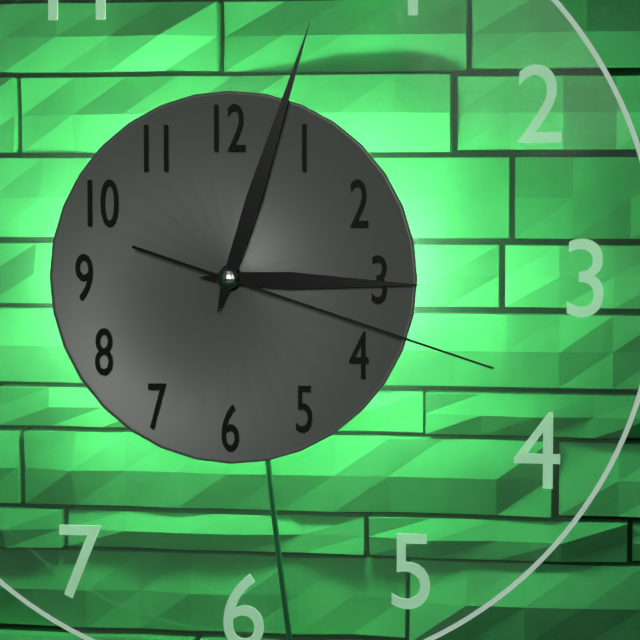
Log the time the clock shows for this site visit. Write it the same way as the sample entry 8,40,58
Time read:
3,03,18
